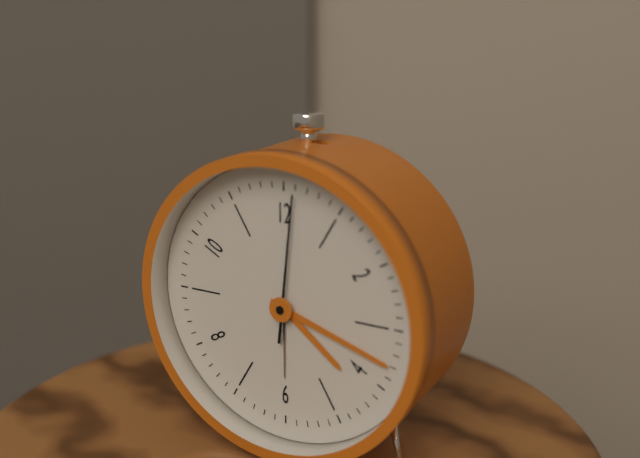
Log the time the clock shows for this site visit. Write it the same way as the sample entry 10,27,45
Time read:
4,18,01
